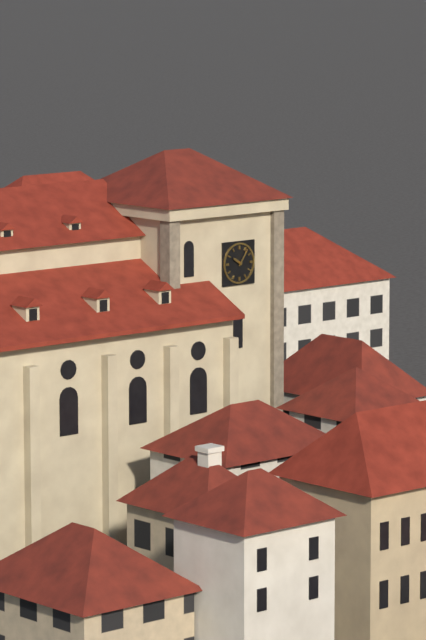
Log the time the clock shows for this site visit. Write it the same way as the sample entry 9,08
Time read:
10,06
